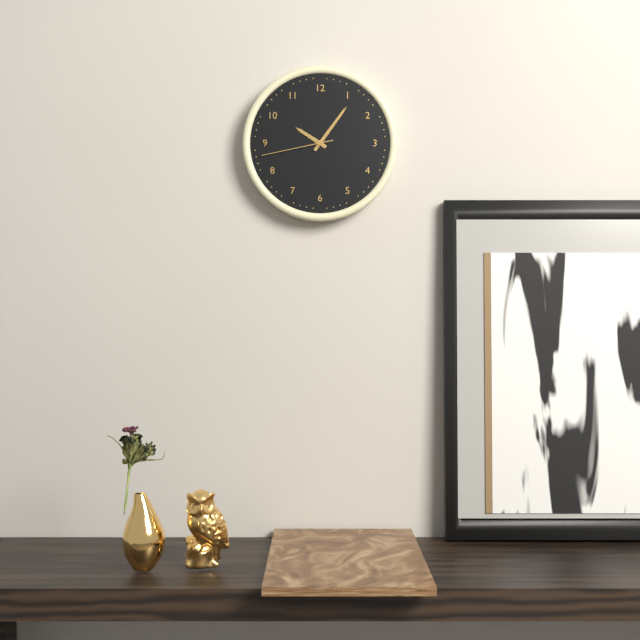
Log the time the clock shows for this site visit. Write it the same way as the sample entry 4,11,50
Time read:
10,06,43
